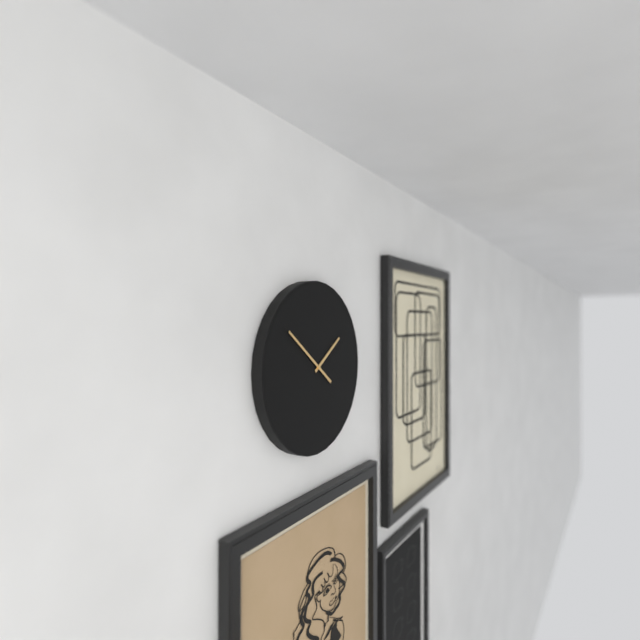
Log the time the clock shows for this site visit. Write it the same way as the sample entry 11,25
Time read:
1,51
